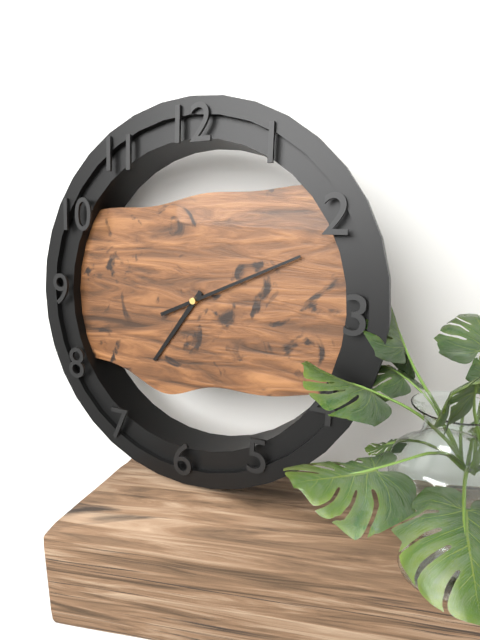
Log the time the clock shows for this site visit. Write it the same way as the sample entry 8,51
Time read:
7,11
